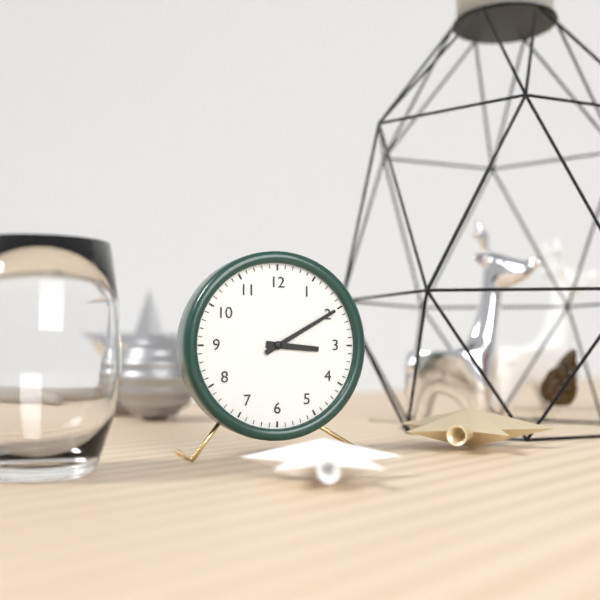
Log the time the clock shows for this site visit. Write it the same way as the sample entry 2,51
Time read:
3,10
